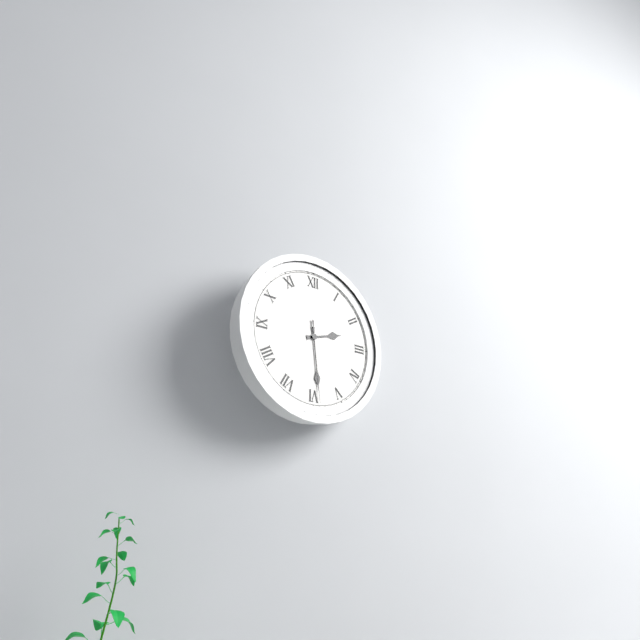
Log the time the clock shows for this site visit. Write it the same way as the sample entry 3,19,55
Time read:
2,29,29
